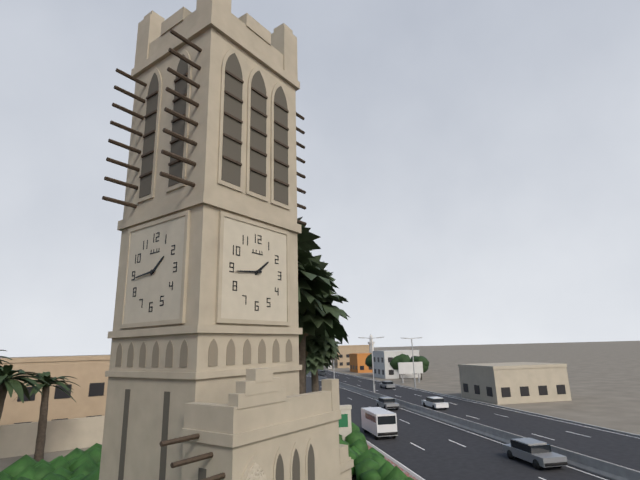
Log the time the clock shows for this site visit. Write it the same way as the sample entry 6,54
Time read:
1,44
